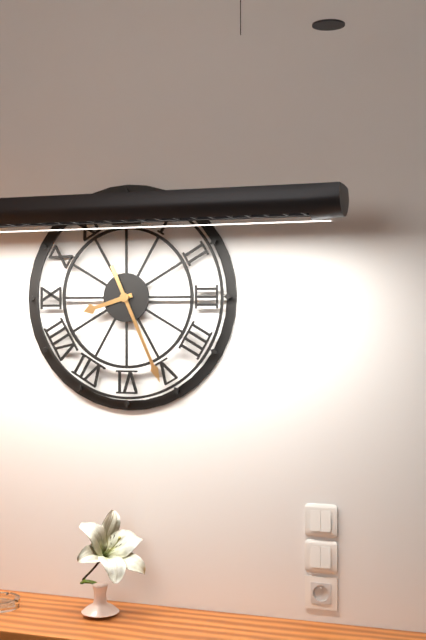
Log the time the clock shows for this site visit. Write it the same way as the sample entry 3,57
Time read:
8,26
